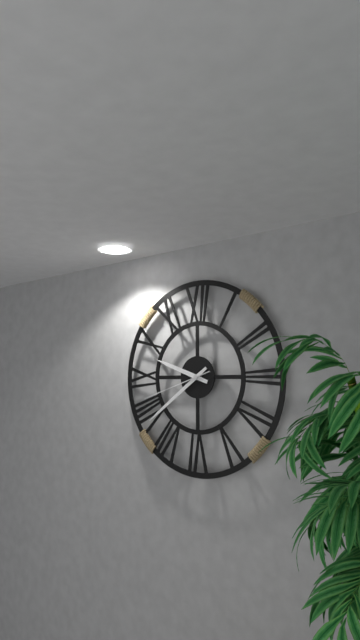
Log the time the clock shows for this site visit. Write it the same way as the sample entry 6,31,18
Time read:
9,39,42
